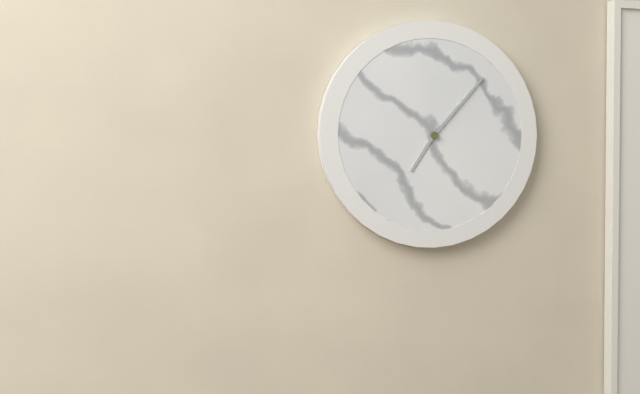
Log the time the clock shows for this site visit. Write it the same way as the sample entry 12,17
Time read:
7,07
